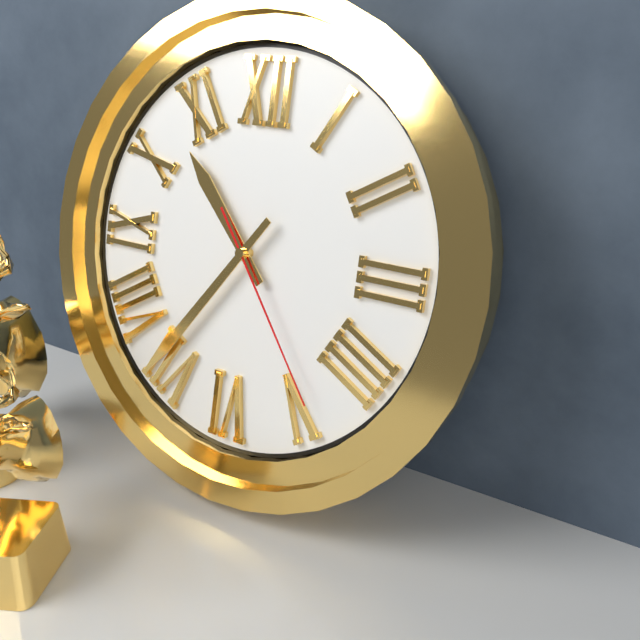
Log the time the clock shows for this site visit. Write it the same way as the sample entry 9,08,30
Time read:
10,36,24
